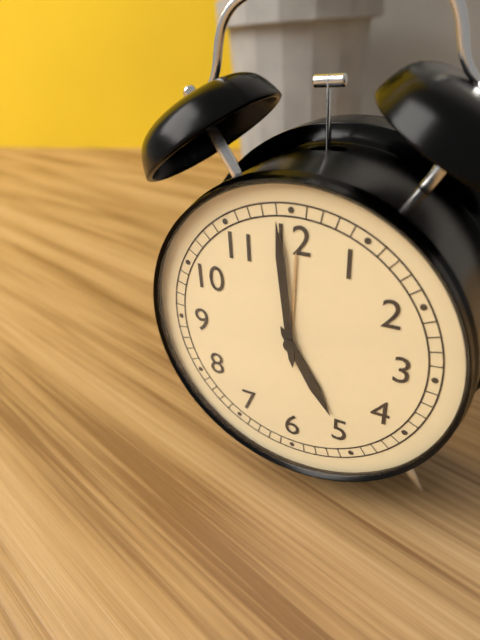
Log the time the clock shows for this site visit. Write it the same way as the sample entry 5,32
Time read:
4,59
